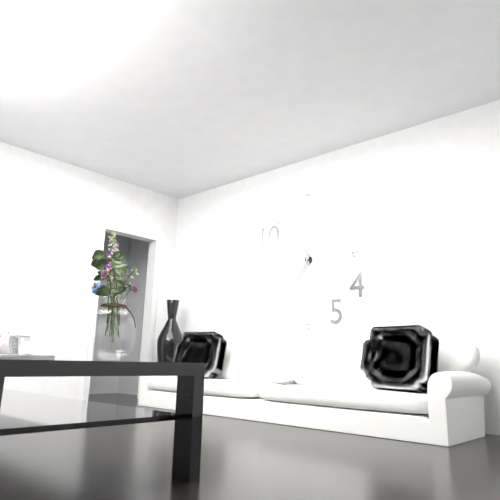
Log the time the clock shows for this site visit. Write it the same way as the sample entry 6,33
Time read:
11,35
